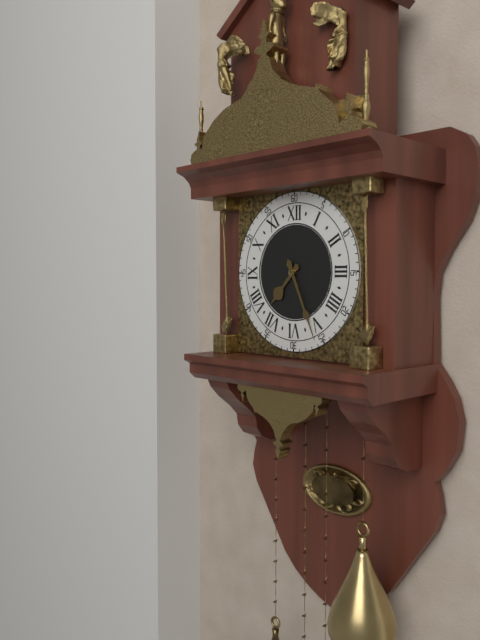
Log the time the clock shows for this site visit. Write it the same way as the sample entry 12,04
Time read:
7,26
